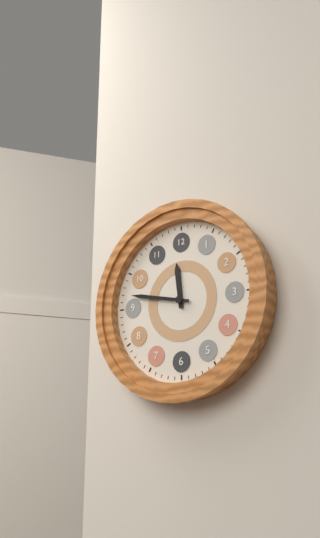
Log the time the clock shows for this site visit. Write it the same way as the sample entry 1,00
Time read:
11,47
